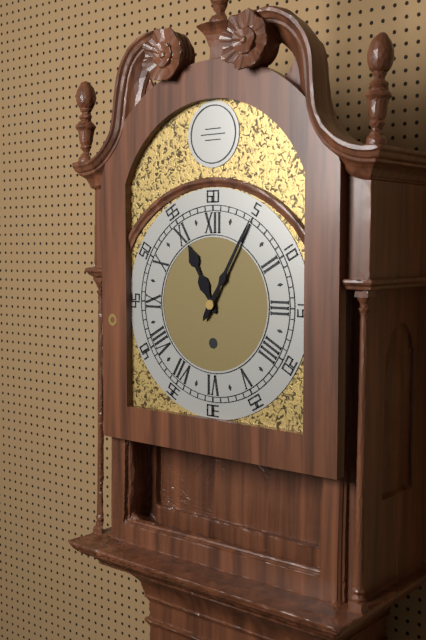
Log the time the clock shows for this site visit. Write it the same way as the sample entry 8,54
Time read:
11,05
